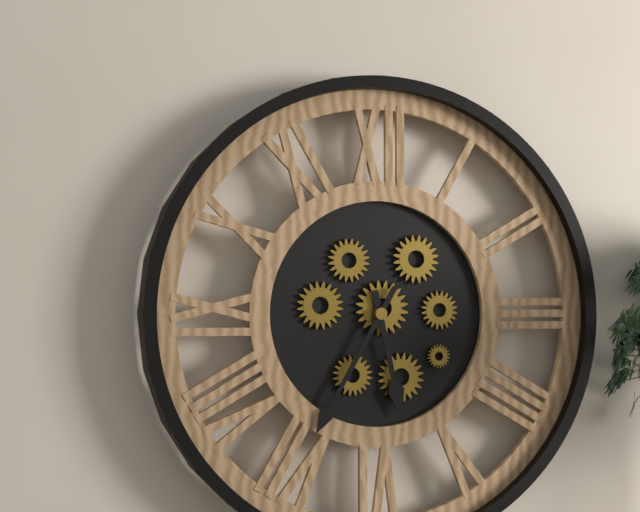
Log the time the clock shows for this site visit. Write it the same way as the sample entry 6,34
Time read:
5,35
